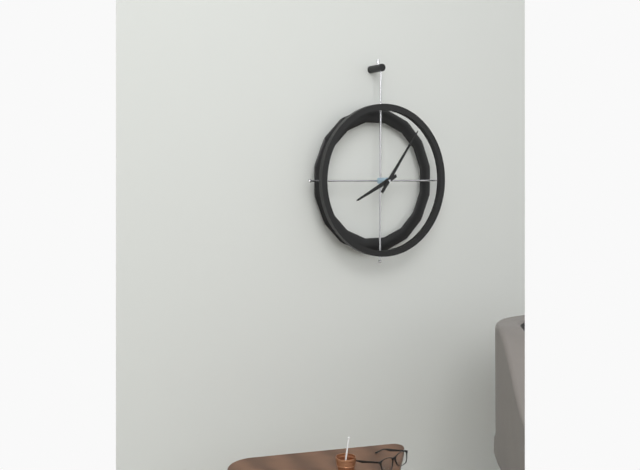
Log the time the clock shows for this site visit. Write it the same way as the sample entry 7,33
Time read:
8,06
